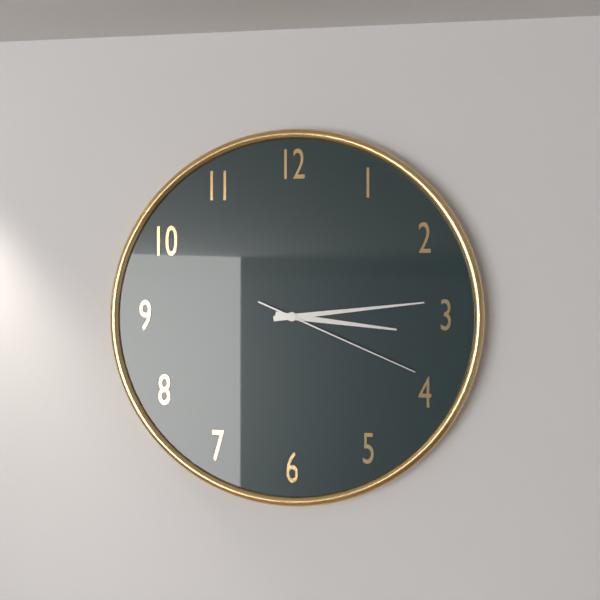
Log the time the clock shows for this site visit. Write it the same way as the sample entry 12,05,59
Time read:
3,14,19
